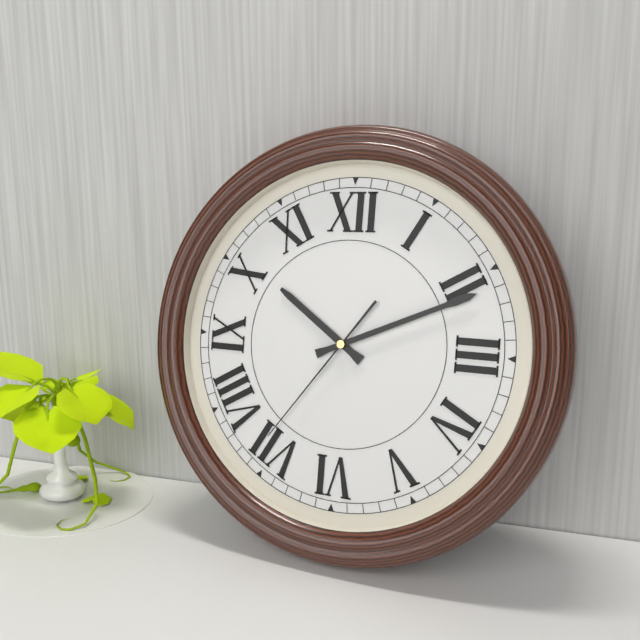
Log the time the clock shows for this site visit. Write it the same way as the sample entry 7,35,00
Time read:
10,11,36
